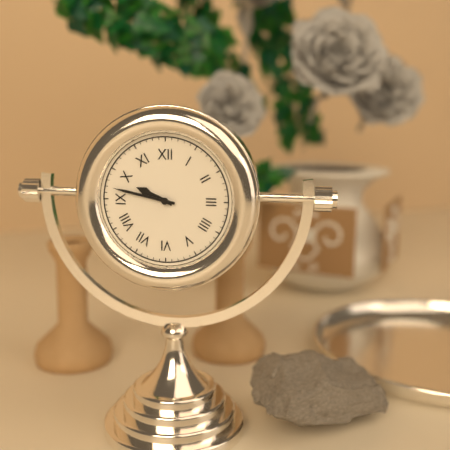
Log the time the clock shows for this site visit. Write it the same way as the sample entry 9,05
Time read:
9,47
